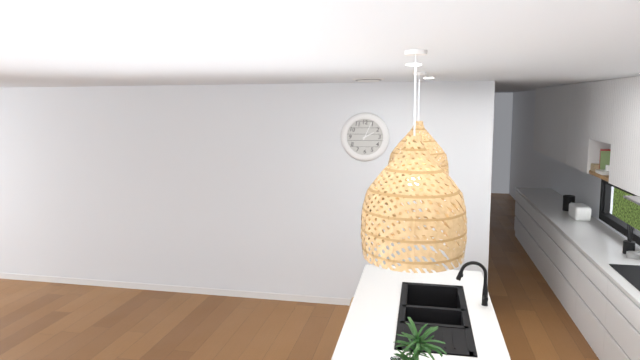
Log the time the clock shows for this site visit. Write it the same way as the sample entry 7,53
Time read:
2,04
